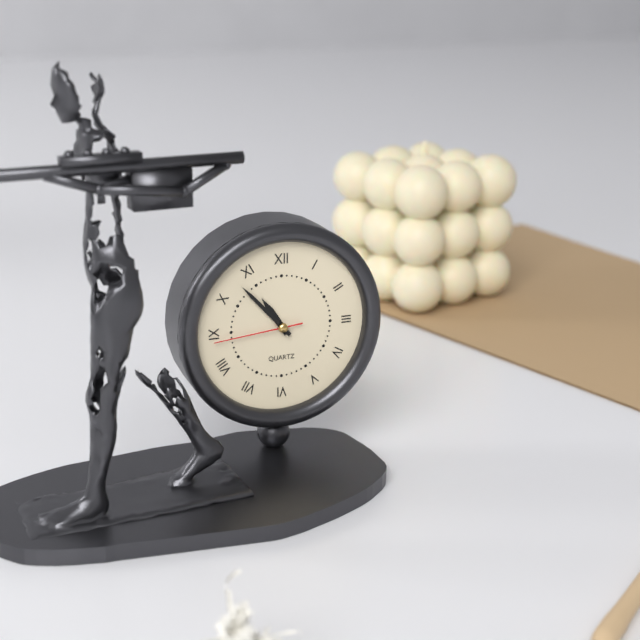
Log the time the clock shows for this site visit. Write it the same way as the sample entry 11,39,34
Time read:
10,53,44
